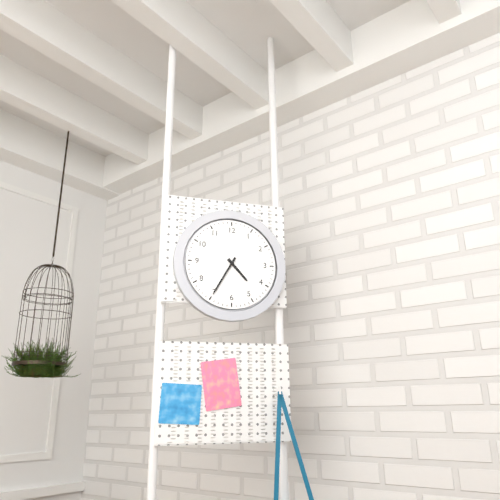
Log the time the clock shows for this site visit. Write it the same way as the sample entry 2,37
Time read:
4,35
